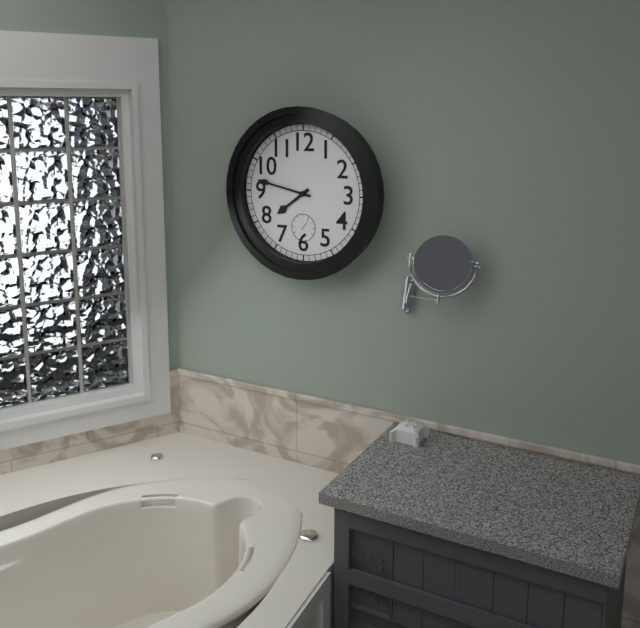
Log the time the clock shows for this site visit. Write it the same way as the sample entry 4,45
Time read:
7,47
